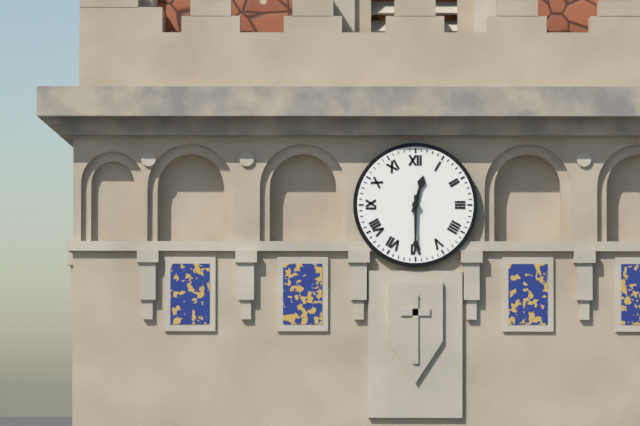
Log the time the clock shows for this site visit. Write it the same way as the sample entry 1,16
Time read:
12,30
